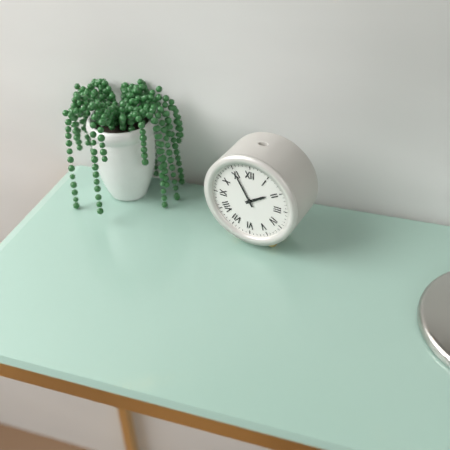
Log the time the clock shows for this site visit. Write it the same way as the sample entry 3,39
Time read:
1,55
